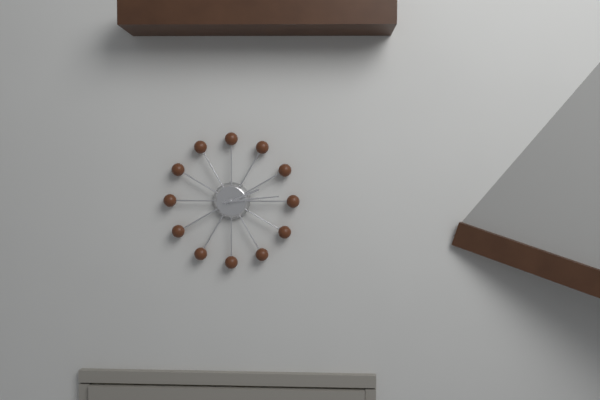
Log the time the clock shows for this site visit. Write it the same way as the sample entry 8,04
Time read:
2,14
